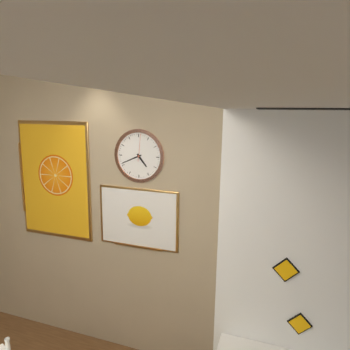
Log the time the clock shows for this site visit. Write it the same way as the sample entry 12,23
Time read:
4,41
